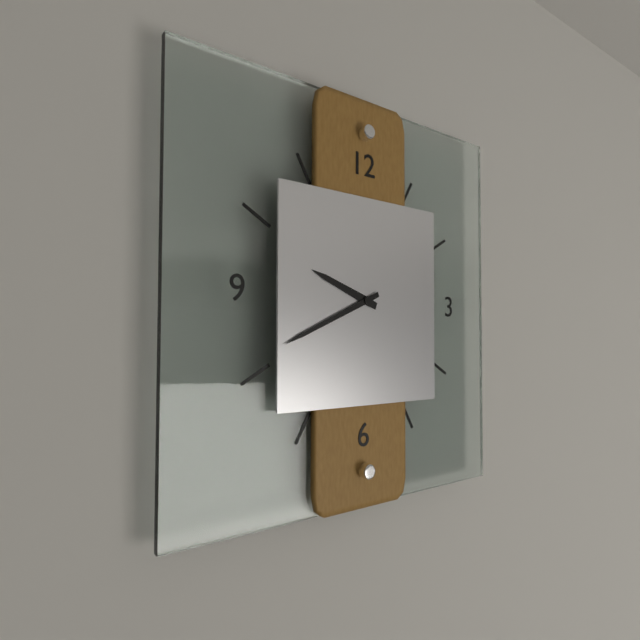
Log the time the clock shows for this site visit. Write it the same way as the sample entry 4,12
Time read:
9,41
